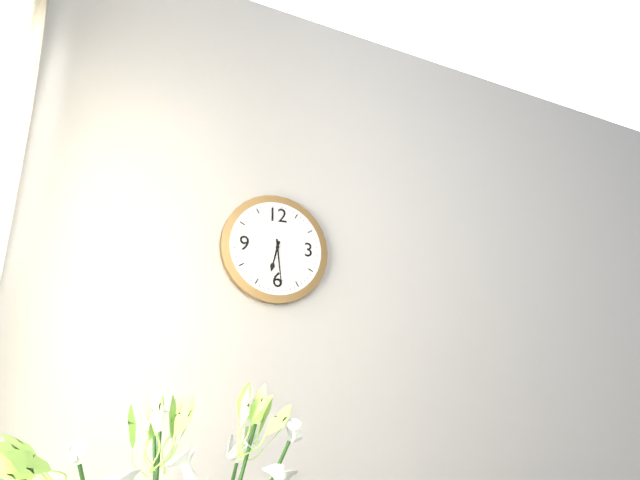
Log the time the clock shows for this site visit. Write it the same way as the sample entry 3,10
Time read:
6,29
